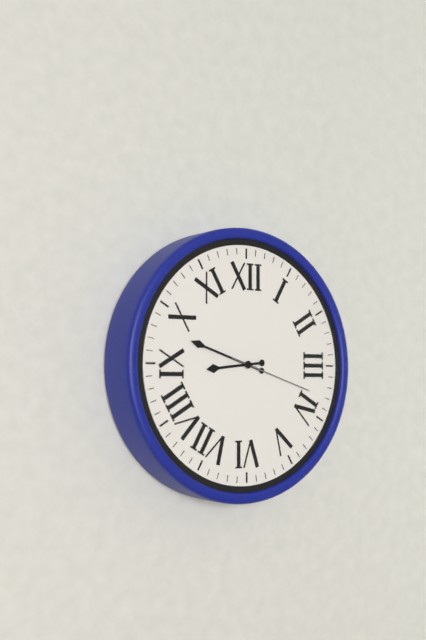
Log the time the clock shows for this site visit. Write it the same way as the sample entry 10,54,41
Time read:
8,48,18
